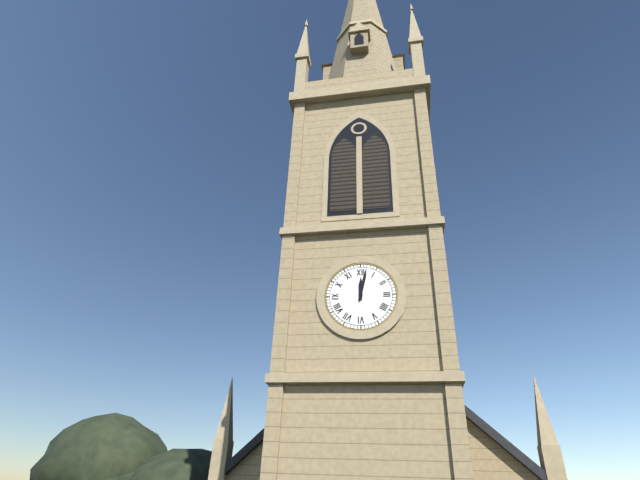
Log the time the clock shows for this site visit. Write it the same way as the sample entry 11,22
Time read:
12,02
